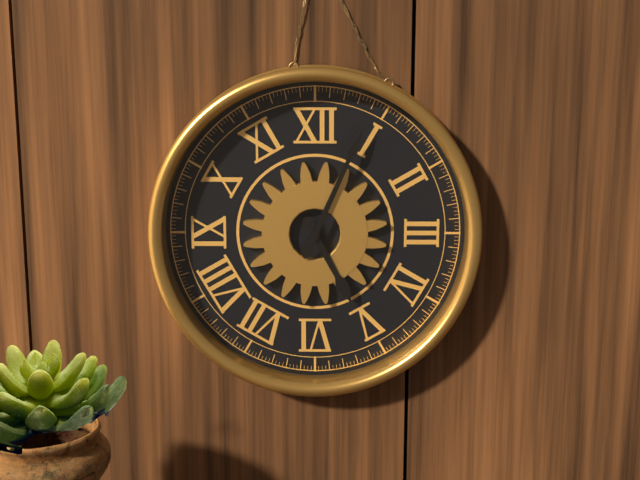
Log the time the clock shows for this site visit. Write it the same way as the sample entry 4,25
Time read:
5,04
